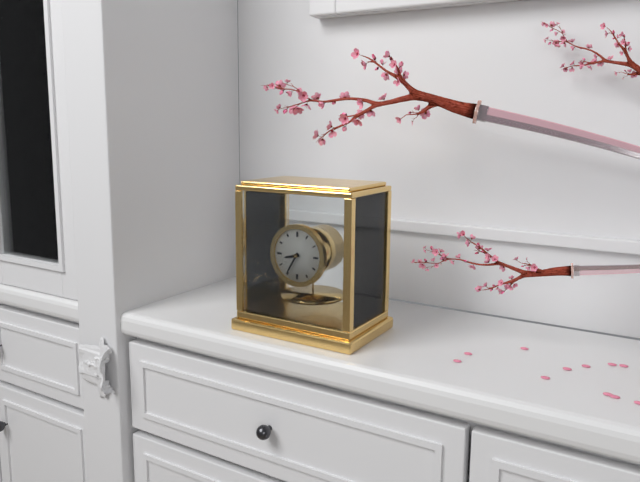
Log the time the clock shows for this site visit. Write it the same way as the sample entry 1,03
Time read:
8,35
